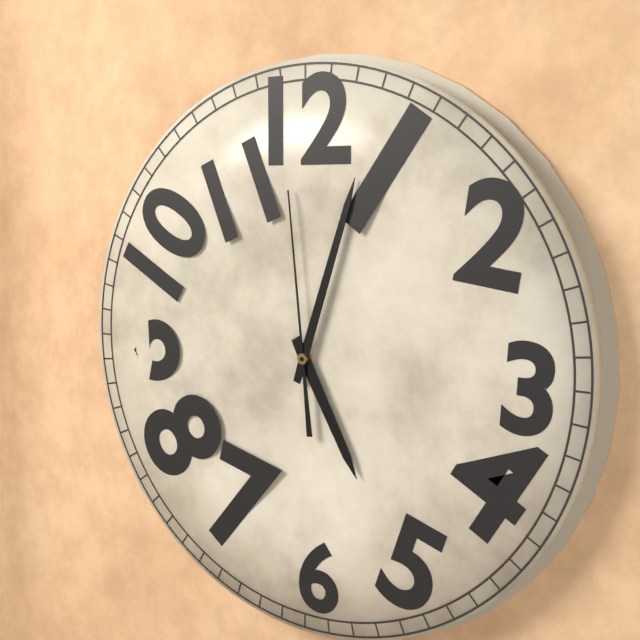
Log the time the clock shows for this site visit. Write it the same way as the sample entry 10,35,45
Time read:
5,03,59
